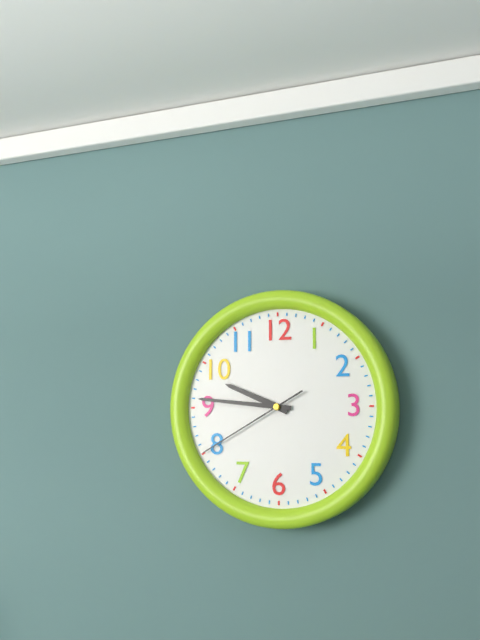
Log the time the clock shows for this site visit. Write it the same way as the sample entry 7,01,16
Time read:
9,46,40
